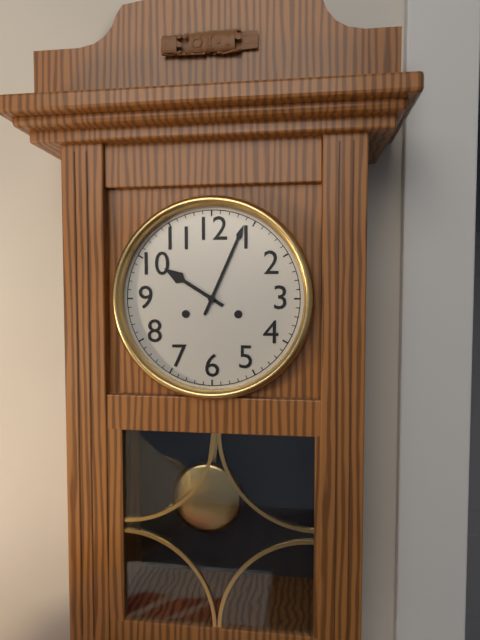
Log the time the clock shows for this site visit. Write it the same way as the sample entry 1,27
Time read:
10,04
